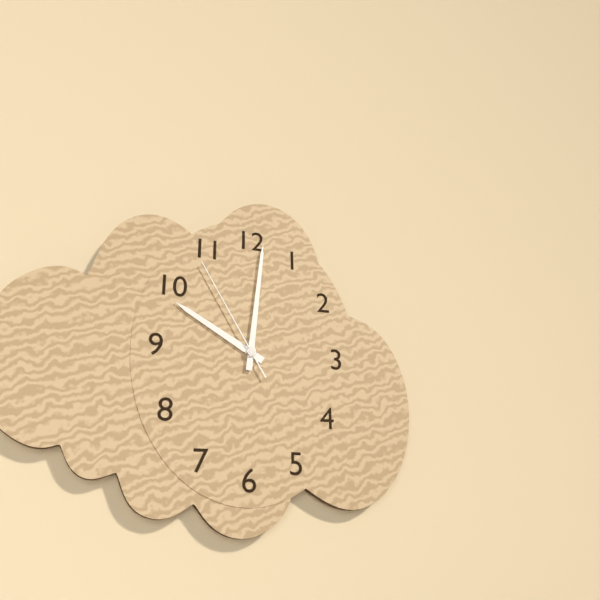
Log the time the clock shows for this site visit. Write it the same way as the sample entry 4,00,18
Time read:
10,01,55
